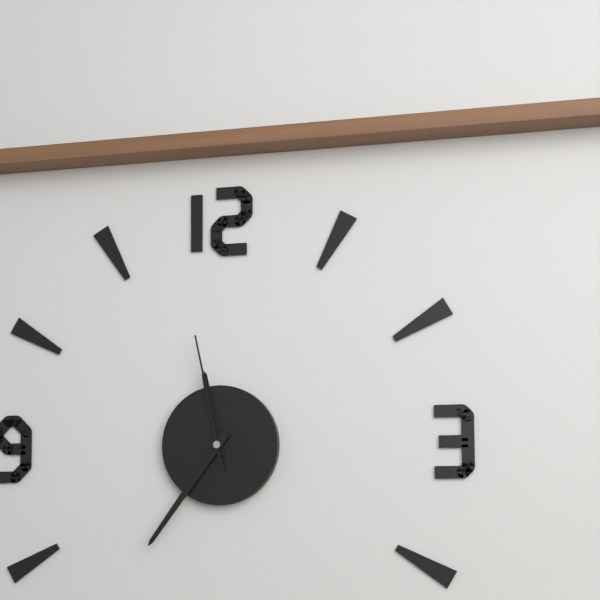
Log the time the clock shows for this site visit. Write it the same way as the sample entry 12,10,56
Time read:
11,36,58
